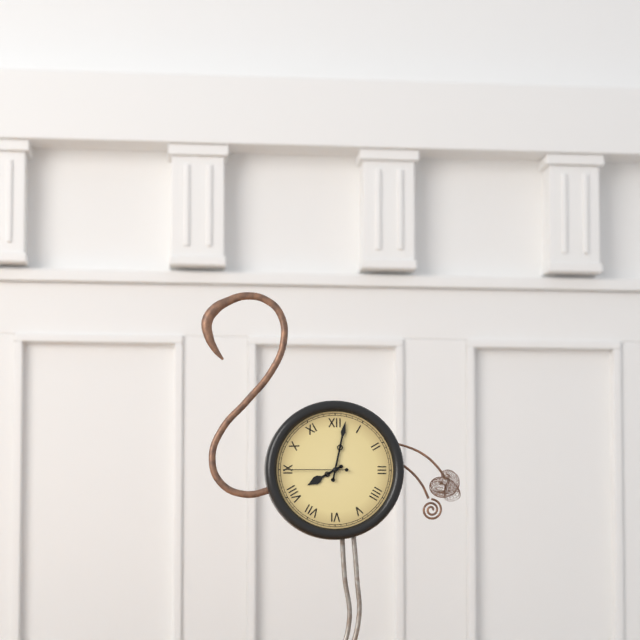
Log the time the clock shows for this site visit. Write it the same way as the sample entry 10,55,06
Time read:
8,02,45
